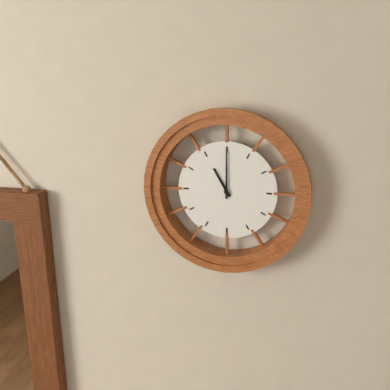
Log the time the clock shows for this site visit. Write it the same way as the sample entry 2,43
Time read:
11,00
